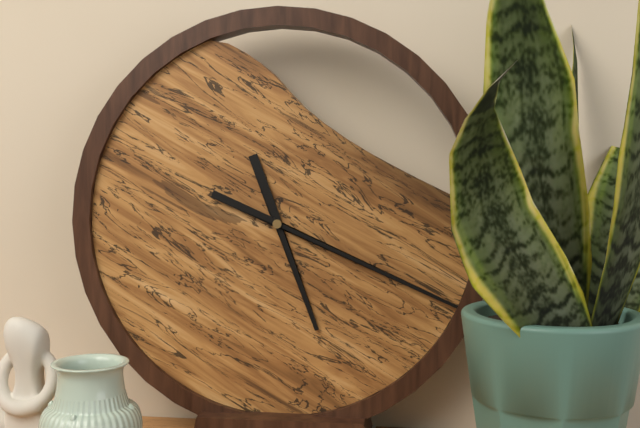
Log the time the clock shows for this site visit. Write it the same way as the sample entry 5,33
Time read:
5,19
